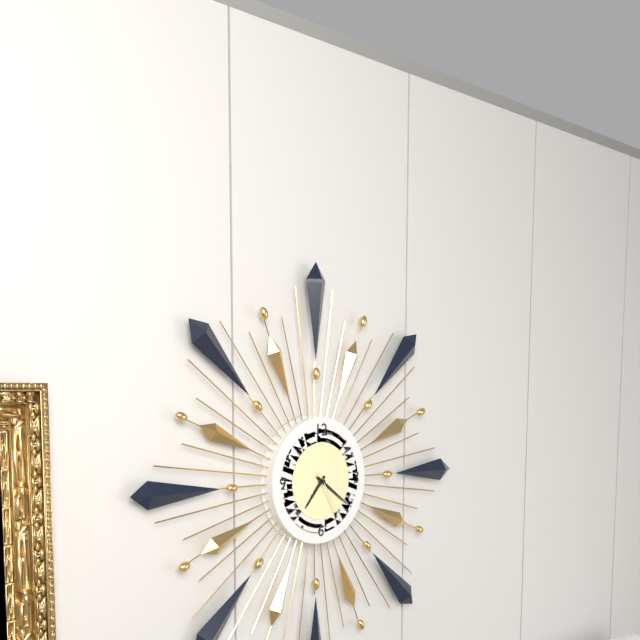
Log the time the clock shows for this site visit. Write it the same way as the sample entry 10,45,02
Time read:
7,21,25
